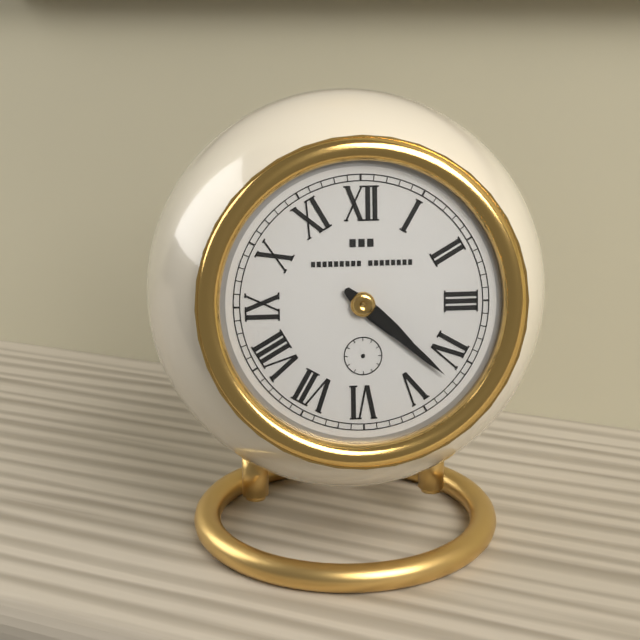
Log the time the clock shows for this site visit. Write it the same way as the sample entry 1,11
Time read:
4,22
